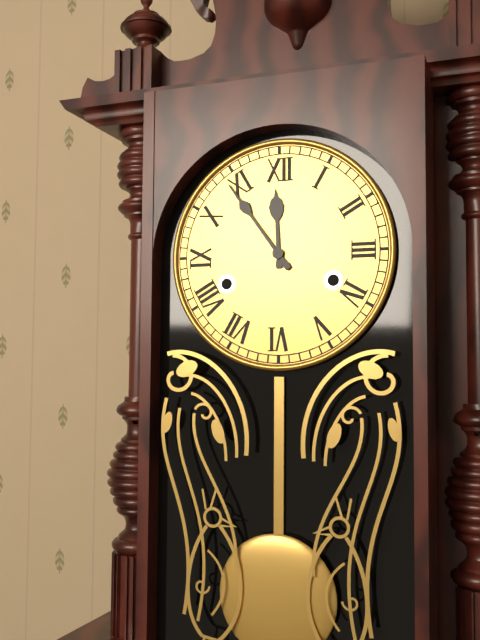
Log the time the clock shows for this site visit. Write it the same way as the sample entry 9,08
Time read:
11,54
